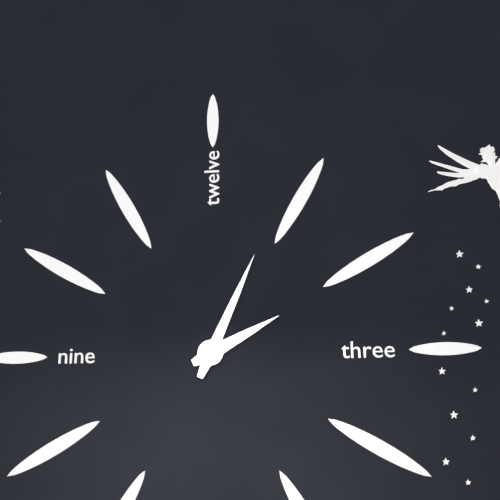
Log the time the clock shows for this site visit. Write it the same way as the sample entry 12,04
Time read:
2,04
